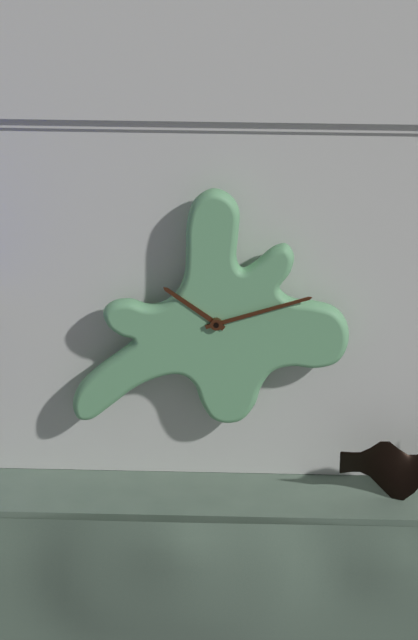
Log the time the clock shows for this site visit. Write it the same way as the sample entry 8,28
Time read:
10,12
